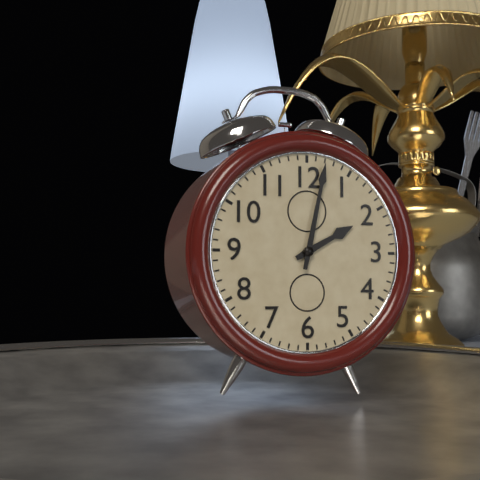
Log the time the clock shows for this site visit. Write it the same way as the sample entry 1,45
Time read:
2,02
